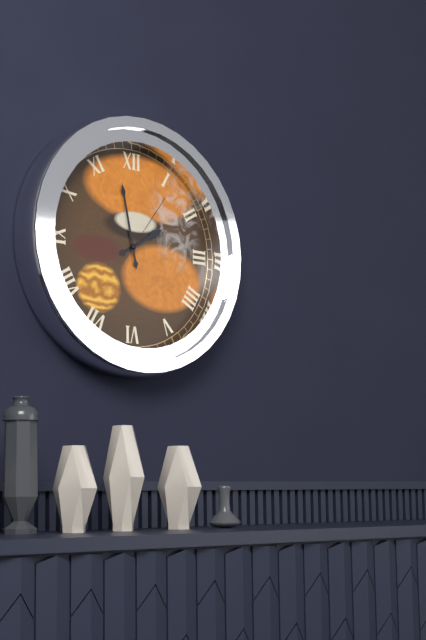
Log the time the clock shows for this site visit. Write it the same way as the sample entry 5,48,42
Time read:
1,58,06
